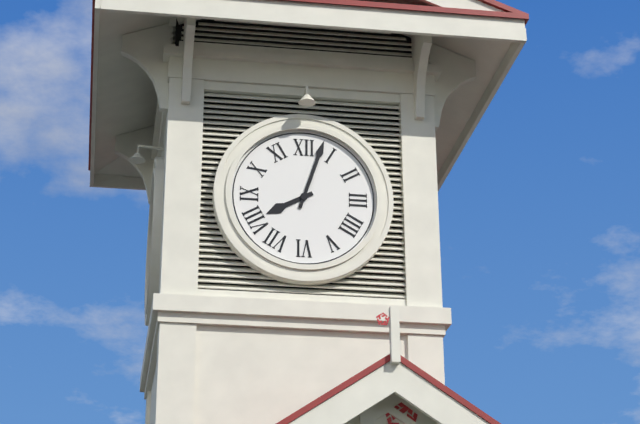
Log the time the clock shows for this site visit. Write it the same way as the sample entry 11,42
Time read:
8,03
